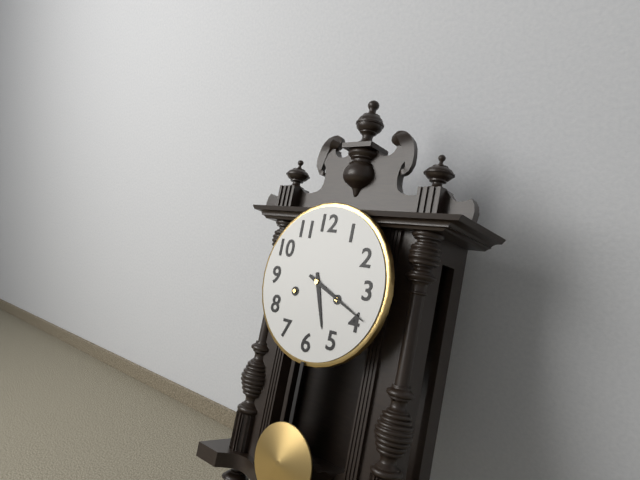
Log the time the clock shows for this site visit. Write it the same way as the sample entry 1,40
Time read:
5,19
